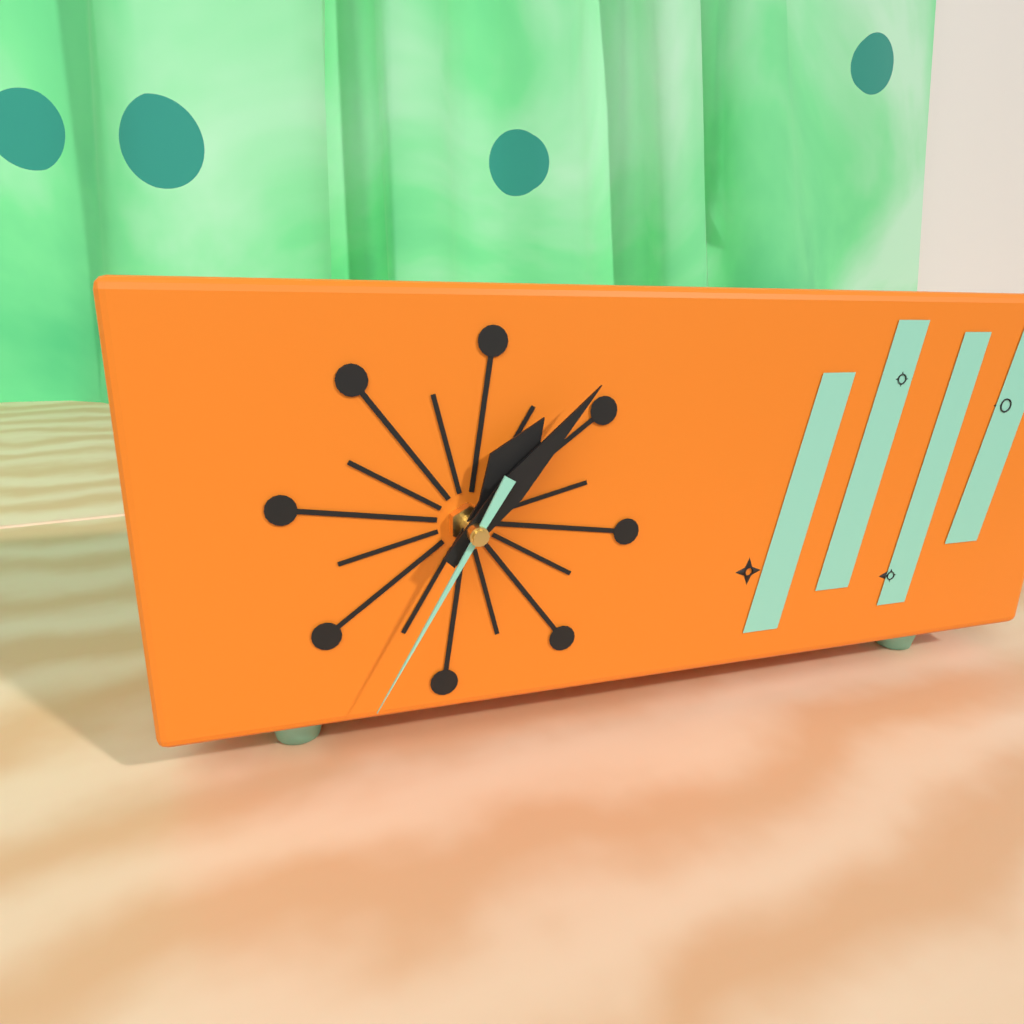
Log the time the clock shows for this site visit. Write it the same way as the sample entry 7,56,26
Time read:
1,07,35
